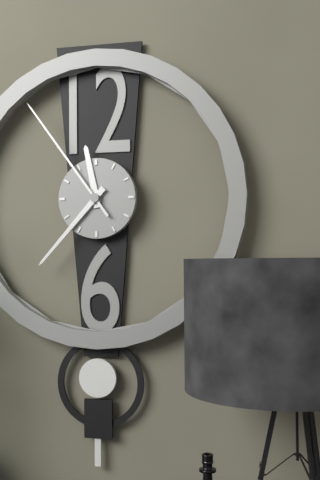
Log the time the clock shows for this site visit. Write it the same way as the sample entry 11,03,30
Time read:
11,37,54
